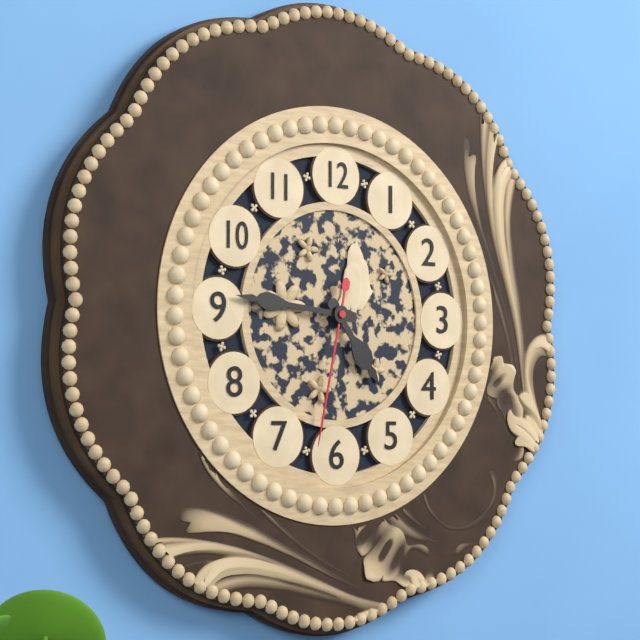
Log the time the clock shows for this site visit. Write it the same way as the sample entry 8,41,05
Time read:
4,46,32
